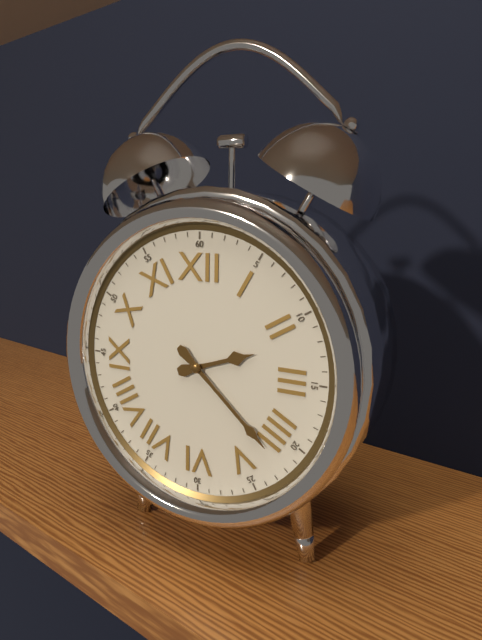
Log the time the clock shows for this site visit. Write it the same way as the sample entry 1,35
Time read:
2,22
